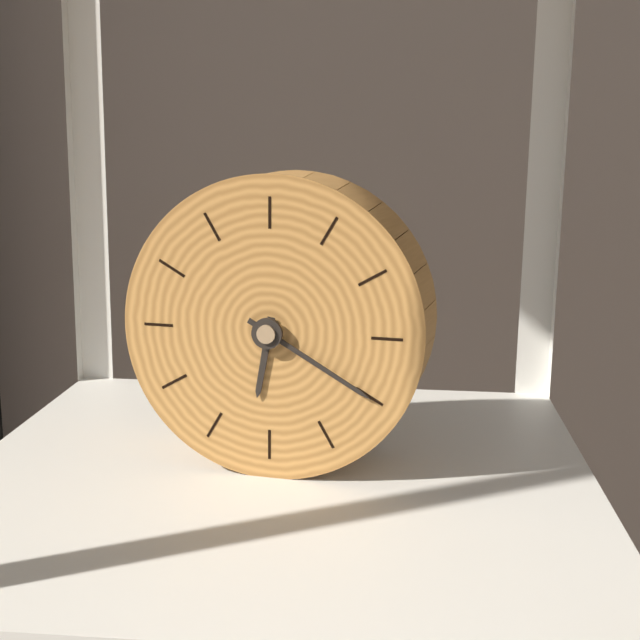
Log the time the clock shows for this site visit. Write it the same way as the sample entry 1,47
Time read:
6,20
